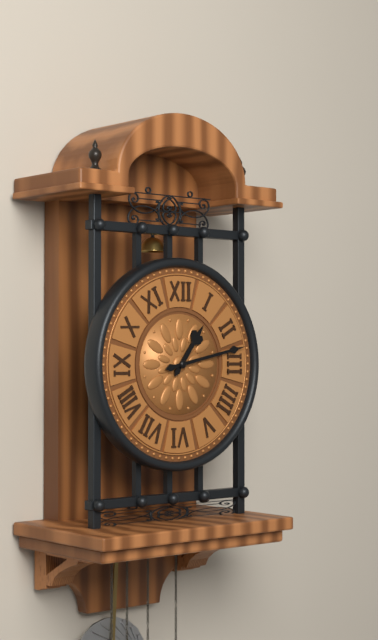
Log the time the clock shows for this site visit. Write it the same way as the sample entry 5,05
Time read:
1,13
